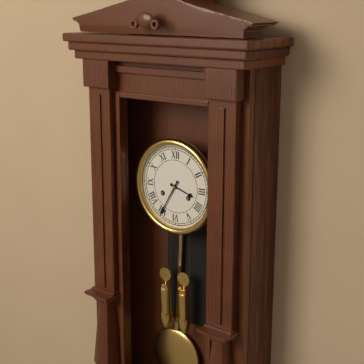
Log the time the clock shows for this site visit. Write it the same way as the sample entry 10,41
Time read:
3,35
